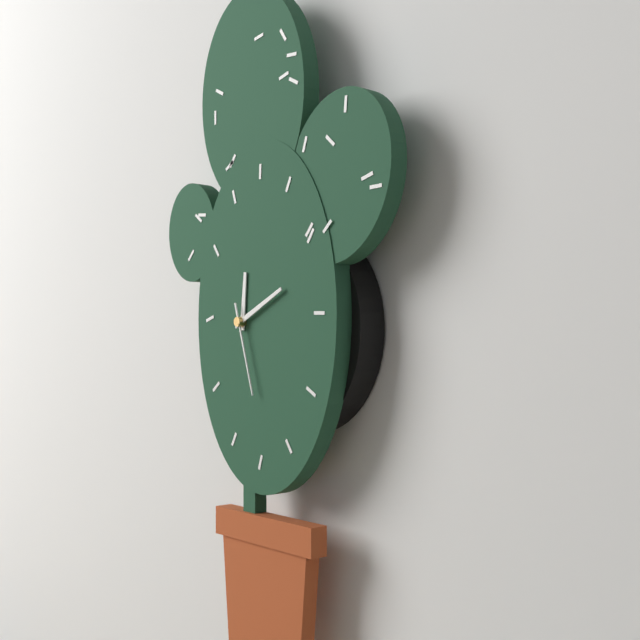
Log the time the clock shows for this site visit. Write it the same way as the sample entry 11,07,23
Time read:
12,11,27
